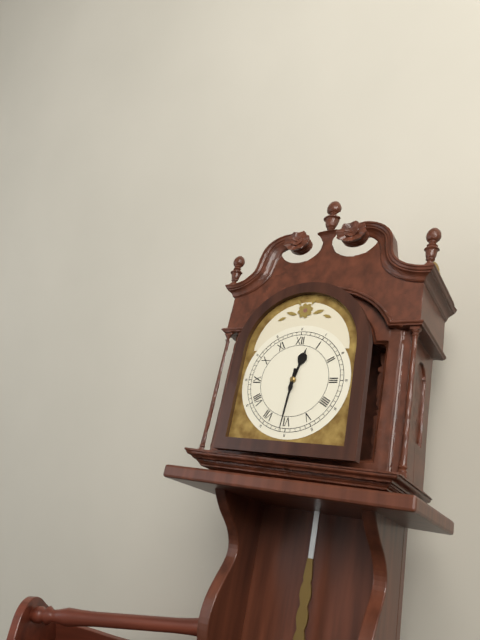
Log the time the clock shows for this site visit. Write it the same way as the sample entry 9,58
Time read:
12,31
